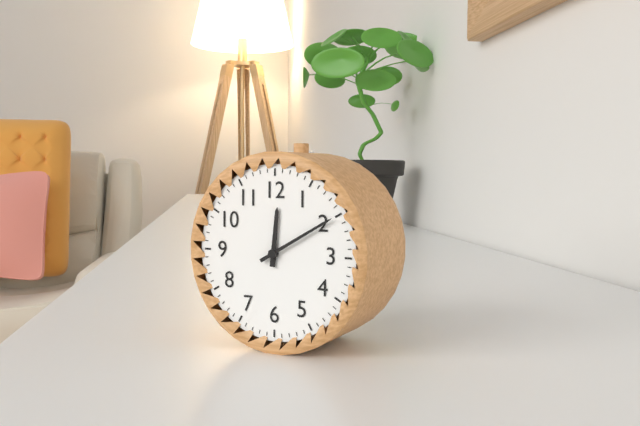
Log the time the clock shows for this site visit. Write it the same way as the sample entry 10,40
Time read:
12,10
